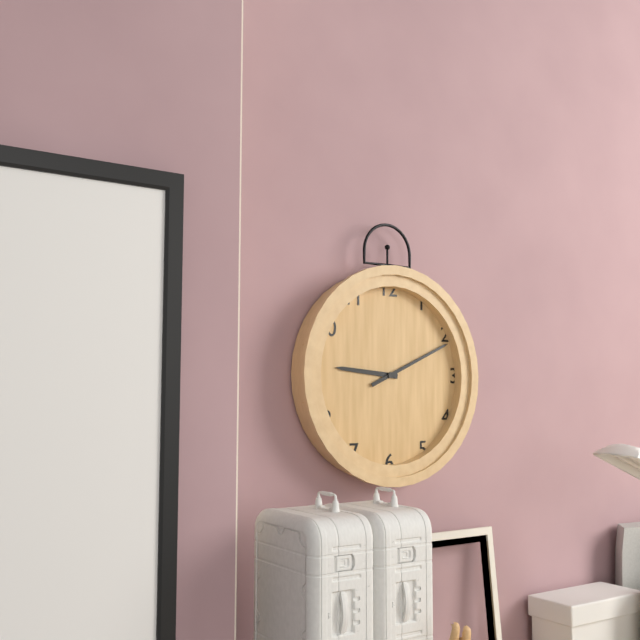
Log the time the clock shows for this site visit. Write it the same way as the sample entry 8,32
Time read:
9,11
